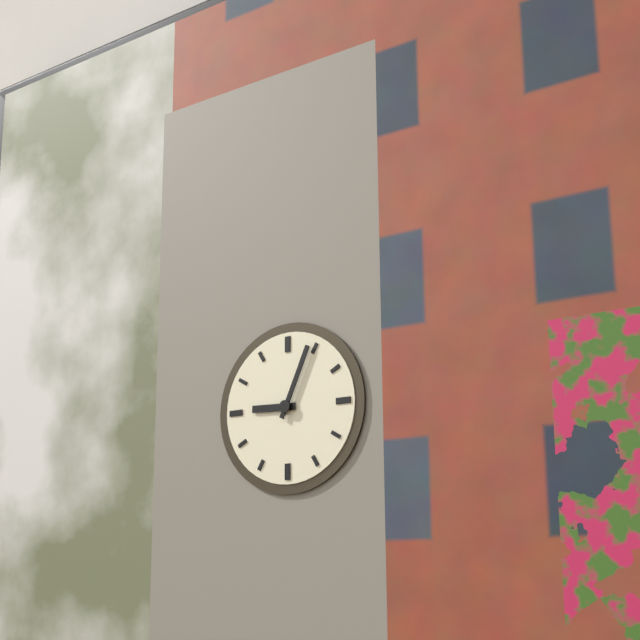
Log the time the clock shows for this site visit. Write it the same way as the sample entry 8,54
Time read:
9,04
